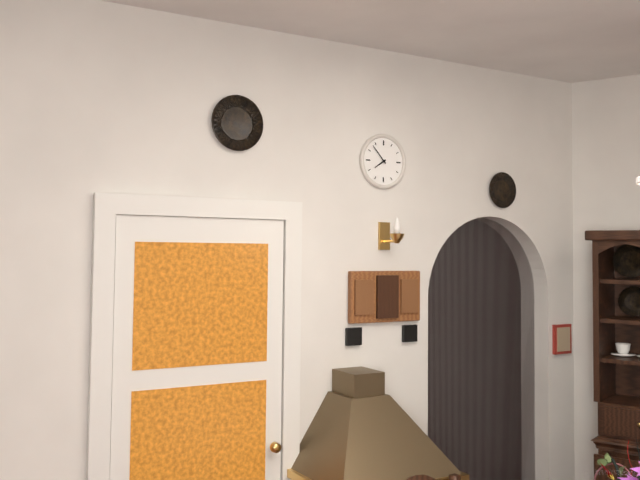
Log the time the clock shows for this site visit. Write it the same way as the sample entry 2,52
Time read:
7,53
